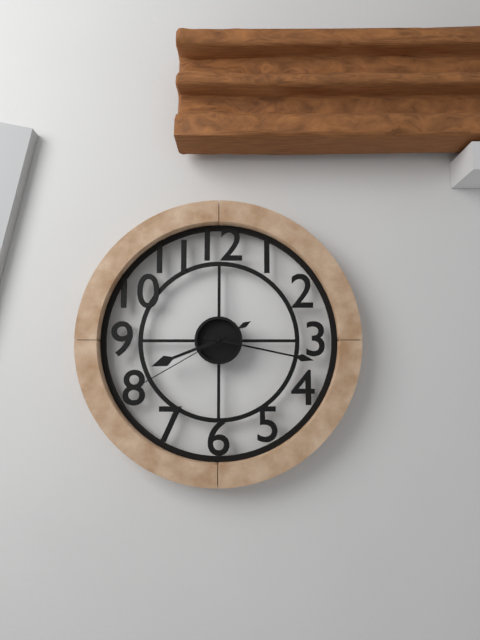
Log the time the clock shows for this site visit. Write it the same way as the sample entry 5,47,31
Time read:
8,17,40
